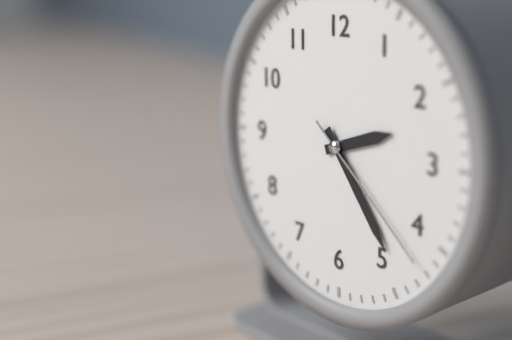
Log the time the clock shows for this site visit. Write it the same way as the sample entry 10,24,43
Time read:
2,24,22
